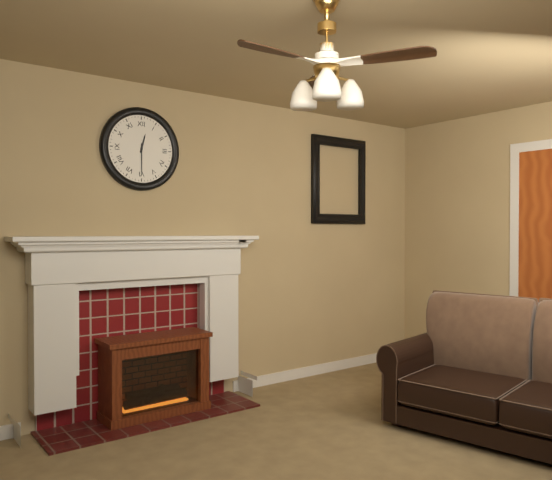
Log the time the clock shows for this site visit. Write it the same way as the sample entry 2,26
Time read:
12,30
